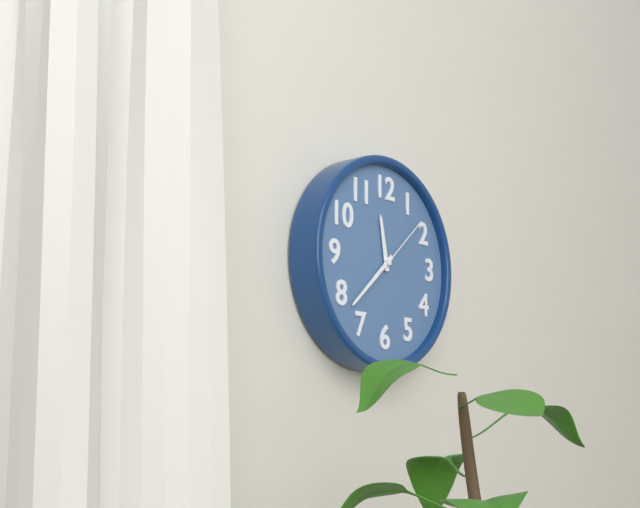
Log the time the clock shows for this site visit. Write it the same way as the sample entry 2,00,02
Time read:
11,38,08
